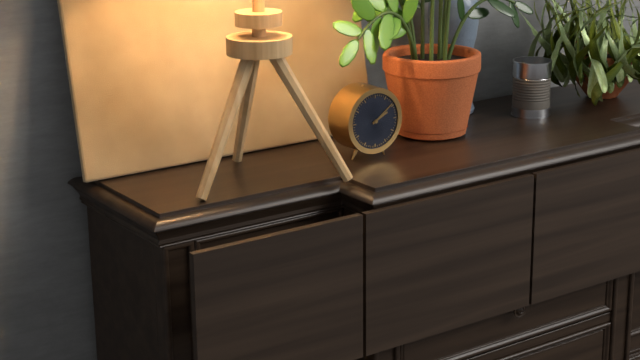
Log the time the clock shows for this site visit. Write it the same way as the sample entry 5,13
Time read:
2,09
